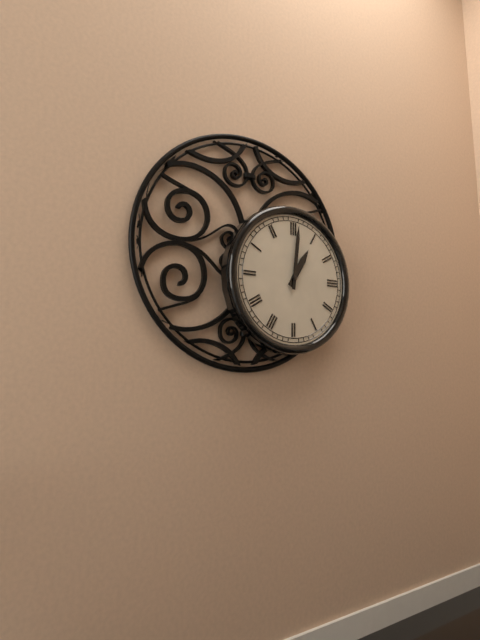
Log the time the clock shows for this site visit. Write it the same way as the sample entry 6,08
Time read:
1,01
